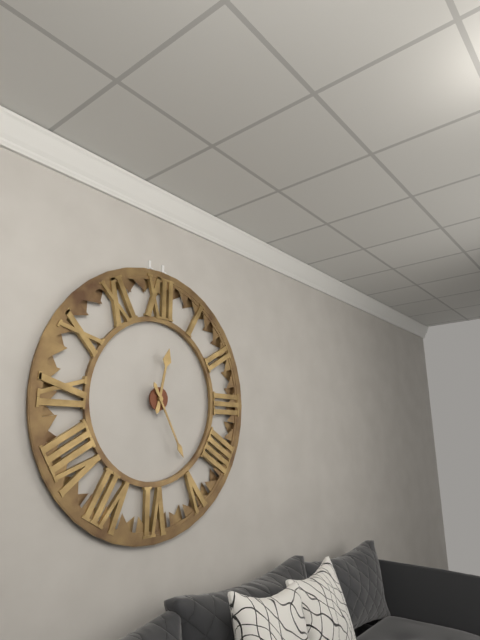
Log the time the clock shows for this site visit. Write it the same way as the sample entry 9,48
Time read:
12,25
